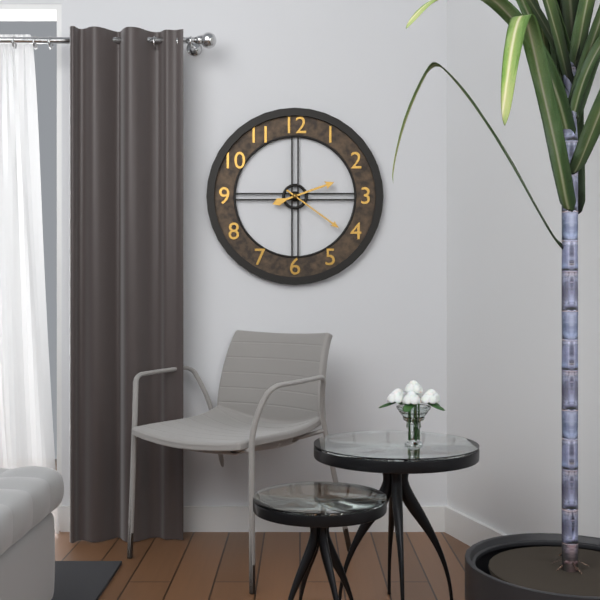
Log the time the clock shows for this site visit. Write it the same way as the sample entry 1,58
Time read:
2,21
